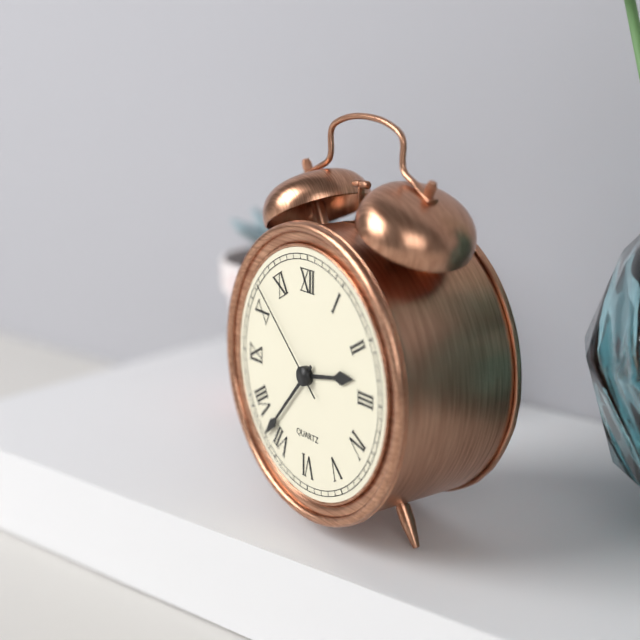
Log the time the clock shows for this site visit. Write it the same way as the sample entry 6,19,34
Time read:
2,37,52
